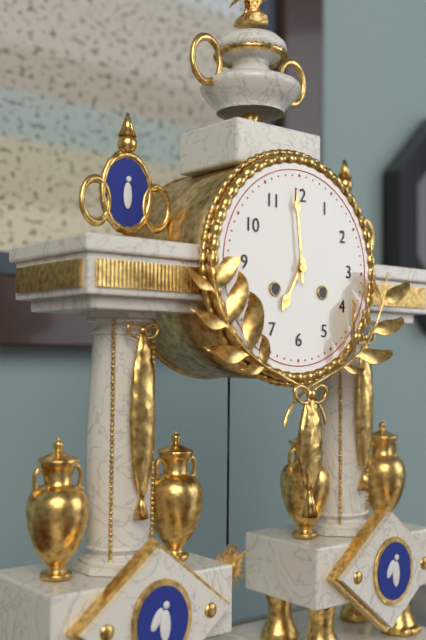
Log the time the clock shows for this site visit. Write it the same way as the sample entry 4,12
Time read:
6,59
